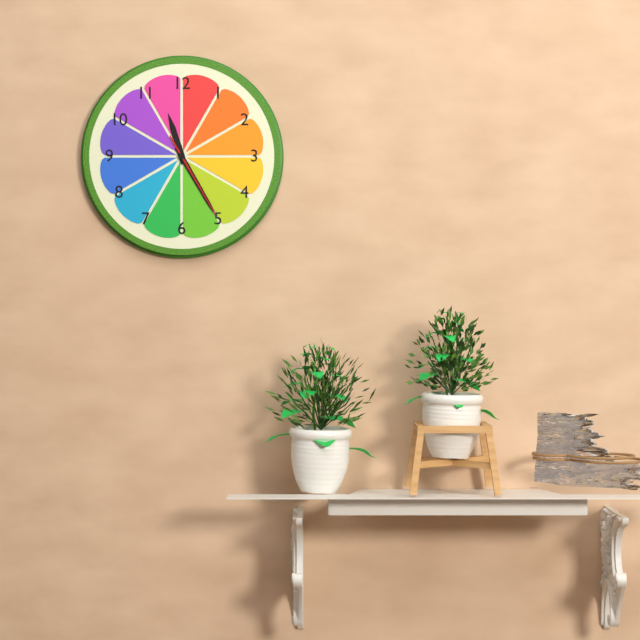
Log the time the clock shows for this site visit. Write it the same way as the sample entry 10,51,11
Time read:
11,25,25
